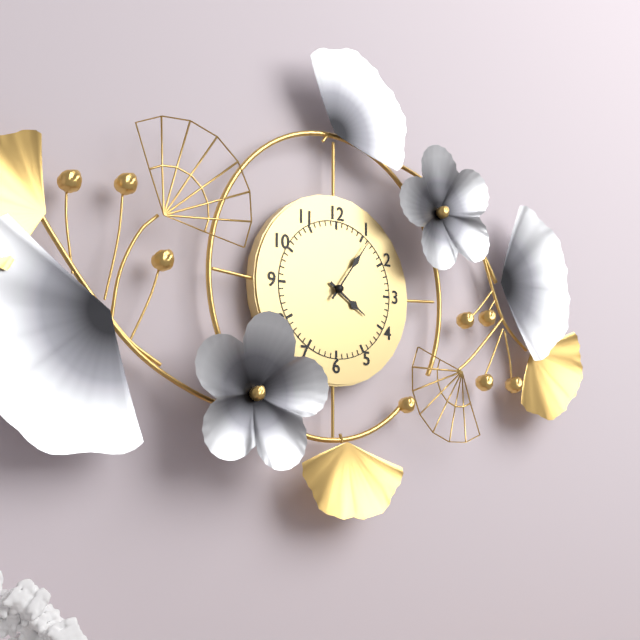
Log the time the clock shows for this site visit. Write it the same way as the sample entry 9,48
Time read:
4,06
